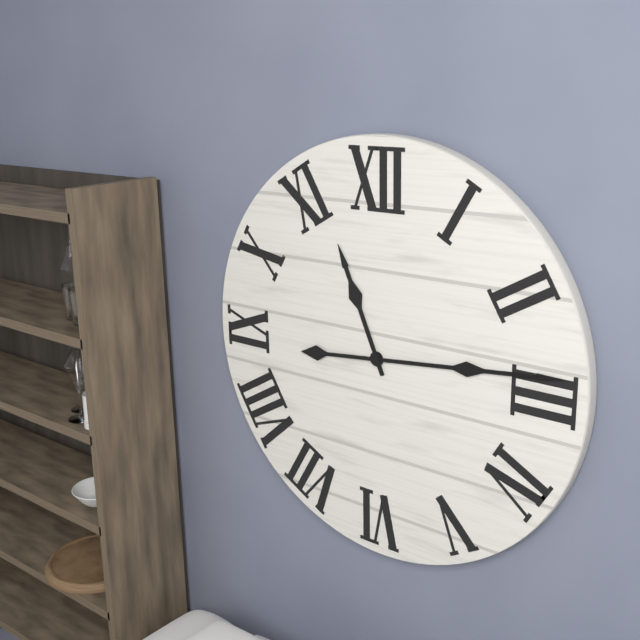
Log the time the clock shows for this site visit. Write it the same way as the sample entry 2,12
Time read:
11,14
